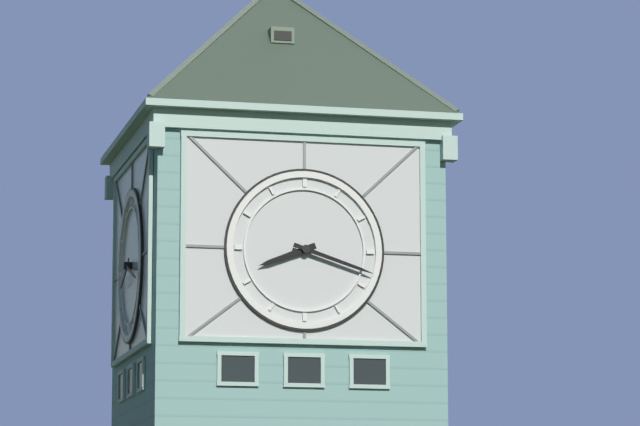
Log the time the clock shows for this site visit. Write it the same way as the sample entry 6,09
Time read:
8,18
